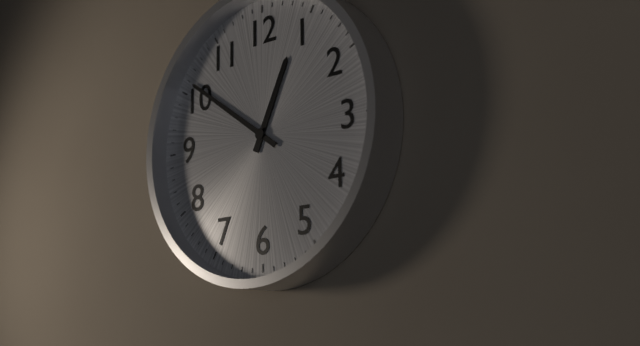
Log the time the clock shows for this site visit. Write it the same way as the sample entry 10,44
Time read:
12,51
